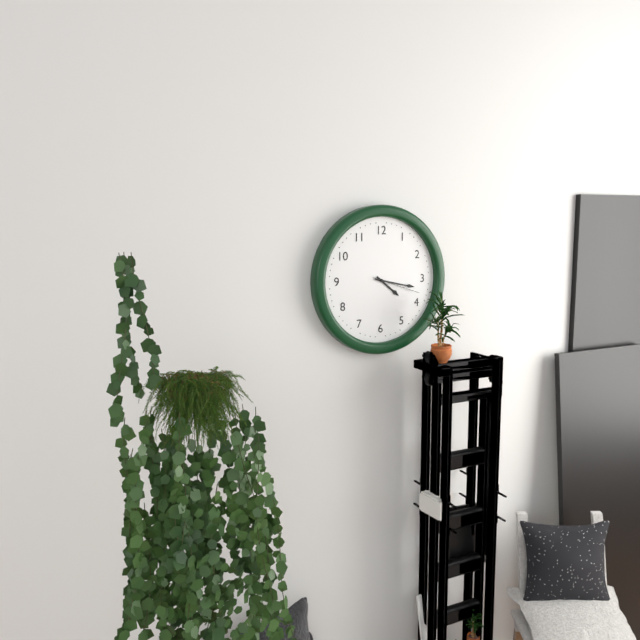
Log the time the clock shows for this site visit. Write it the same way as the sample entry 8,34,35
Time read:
4,17,18
